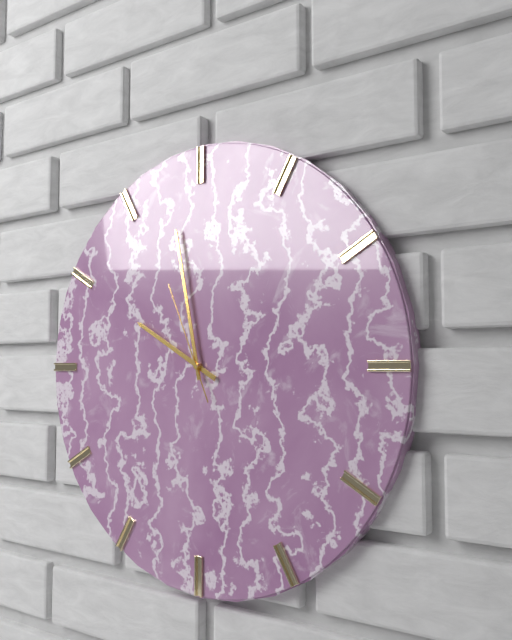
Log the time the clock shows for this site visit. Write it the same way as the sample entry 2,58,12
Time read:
9,58,56
